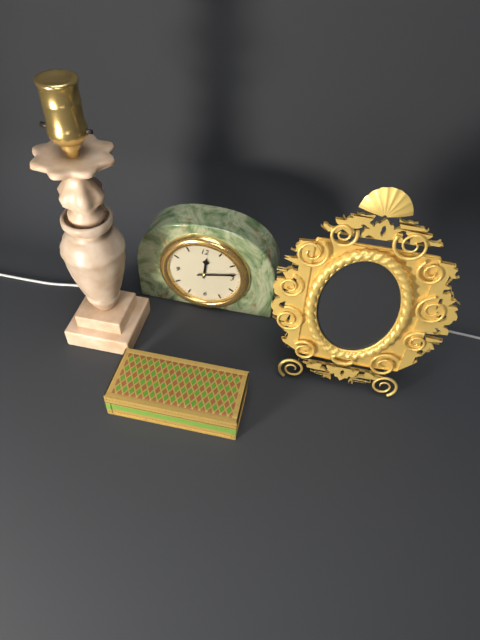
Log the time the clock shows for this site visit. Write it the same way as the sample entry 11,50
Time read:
12,13
